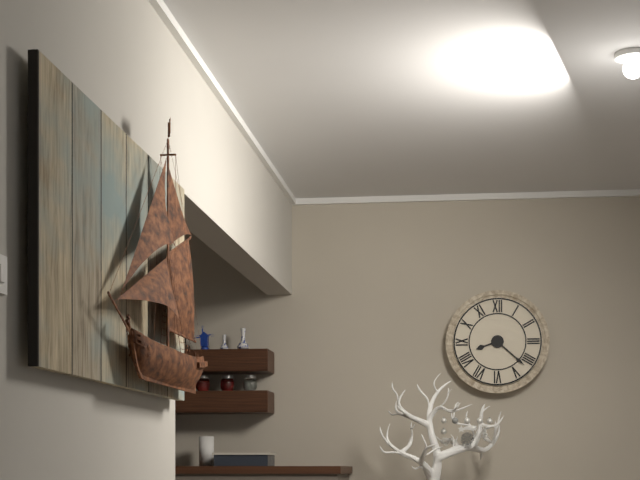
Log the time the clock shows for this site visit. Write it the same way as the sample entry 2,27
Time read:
8,22
